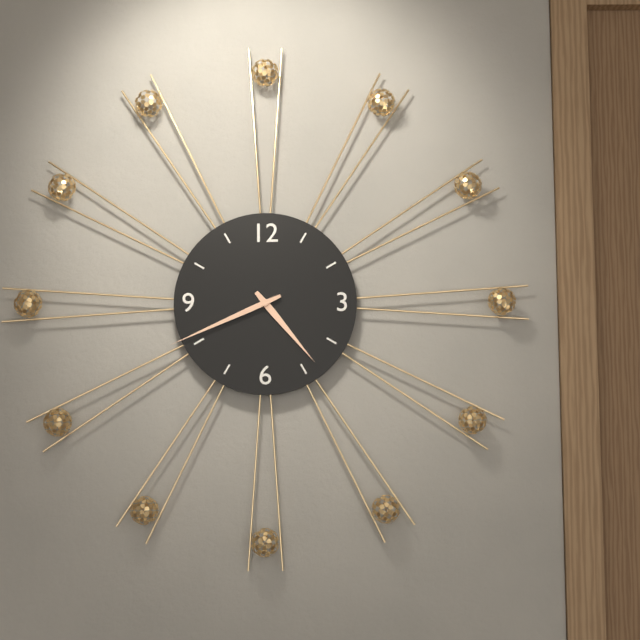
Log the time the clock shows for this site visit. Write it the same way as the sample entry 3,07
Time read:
4,41
